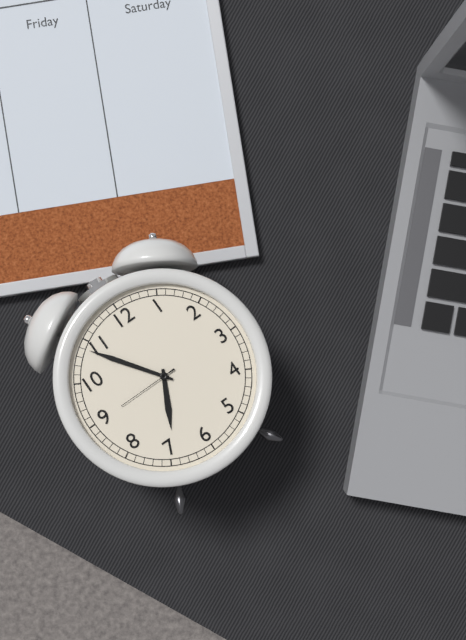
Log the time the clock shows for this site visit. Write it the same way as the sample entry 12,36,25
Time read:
6,54,45
